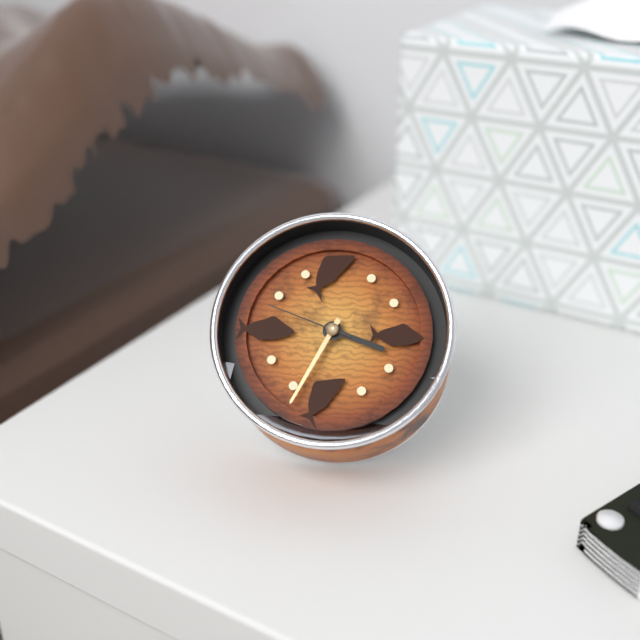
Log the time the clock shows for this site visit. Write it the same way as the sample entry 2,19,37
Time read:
3,34,48
